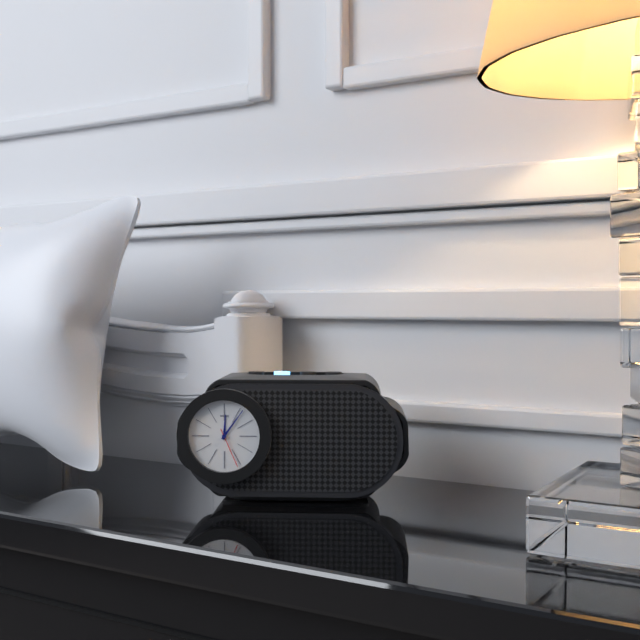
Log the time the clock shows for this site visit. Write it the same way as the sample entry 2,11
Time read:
12,06
